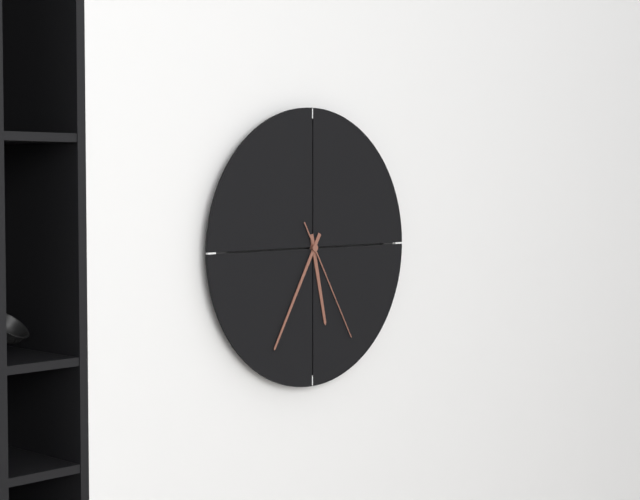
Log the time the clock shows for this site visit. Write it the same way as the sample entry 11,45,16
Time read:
5,35,25
